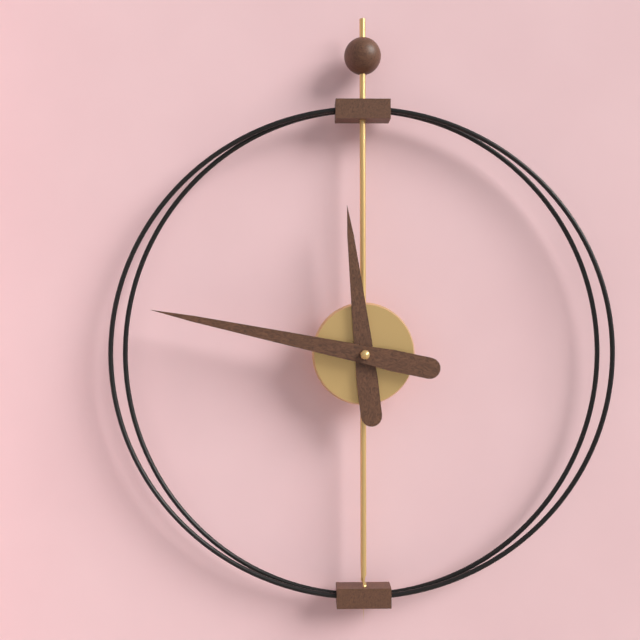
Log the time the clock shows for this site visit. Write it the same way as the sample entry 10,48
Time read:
11,47
